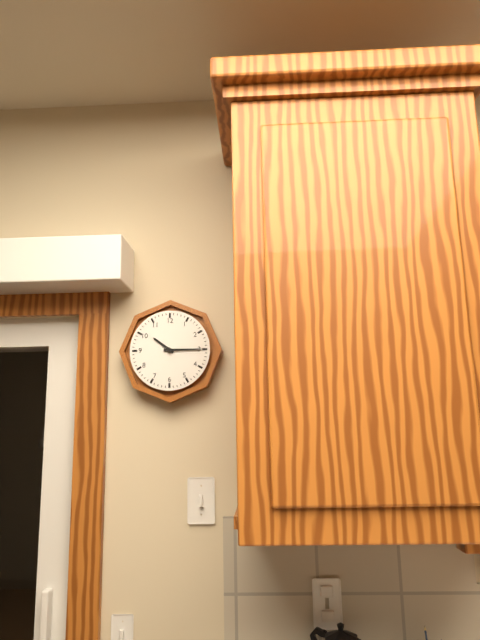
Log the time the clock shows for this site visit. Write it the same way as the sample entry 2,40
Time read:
10,15
